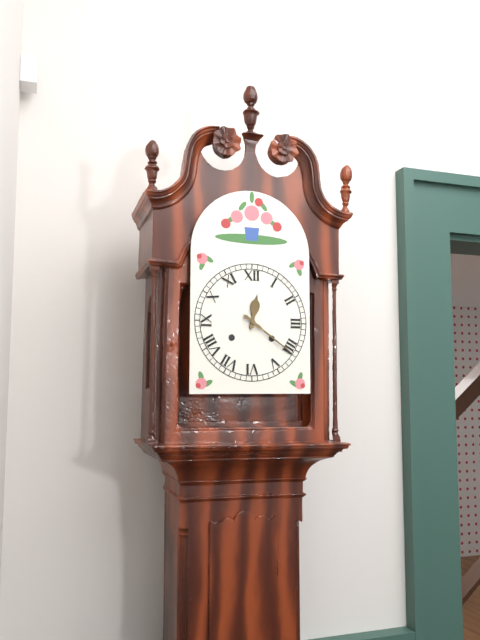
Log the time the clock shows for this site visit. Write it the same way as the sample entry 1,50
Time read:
12,21
